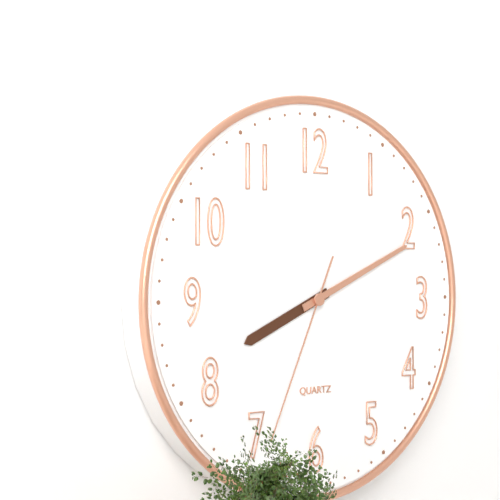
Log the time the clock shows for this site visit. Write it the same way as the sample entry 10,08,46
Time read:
8,11,34
